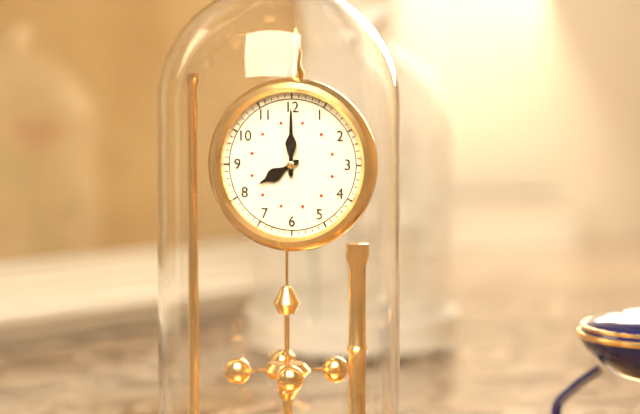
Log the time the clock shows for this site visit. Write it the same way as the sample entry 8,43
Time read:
8,00
